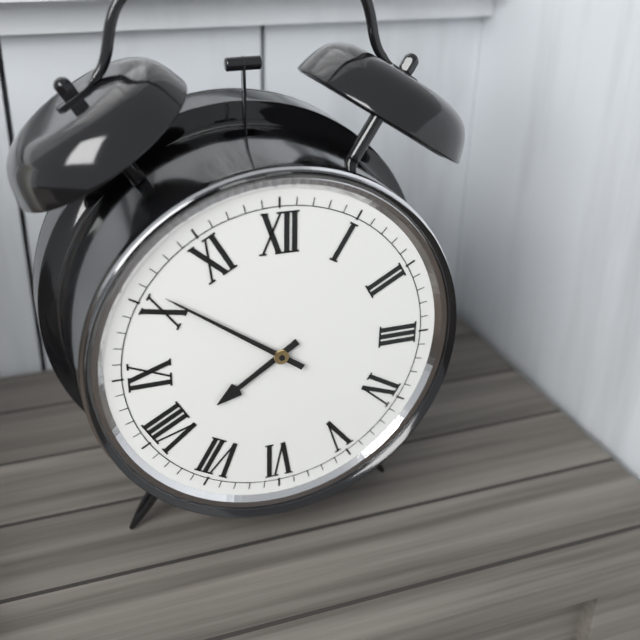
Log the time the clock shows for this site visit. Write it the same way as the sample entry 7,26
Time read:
7,51
